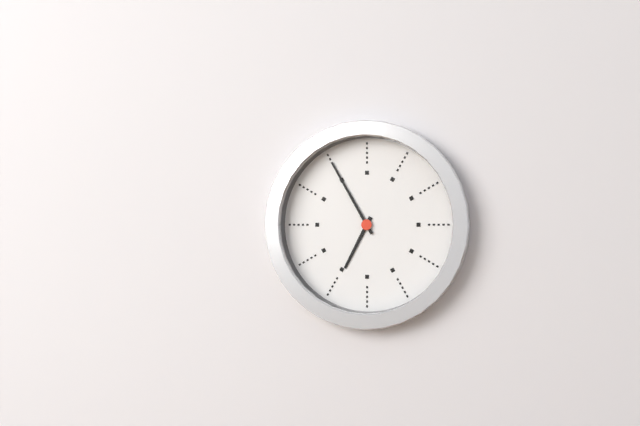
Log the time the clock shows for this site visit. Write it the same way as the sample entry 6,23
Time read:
6,55
